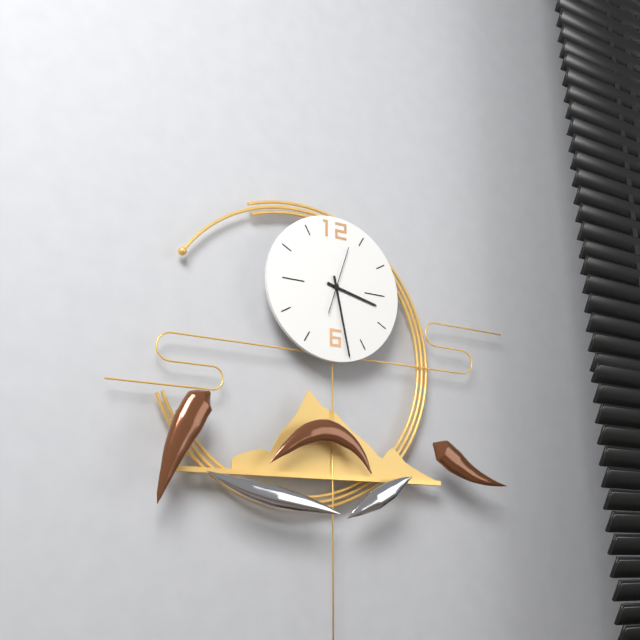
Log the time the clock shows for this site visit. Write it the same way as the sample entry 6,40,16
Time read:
3,28,03
